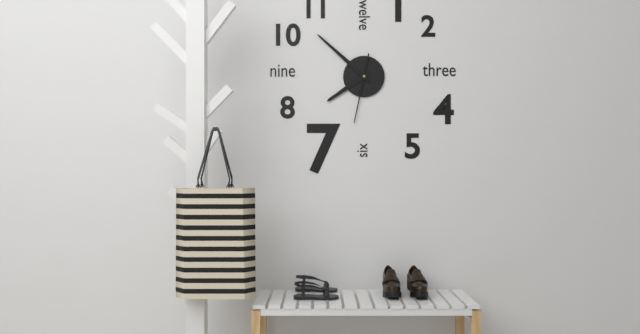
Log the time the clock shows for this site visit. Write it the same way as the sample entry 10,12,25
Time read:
7,52,32
